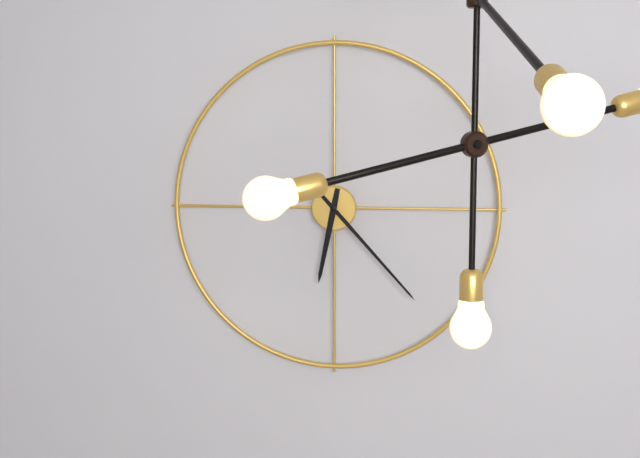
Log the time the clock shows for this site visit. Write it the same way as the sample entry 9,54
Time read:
6,23
